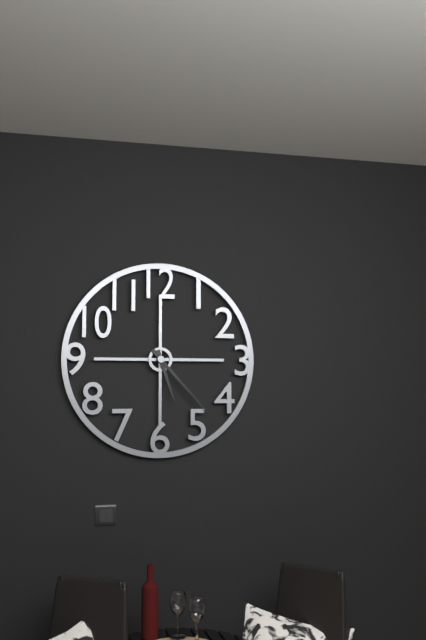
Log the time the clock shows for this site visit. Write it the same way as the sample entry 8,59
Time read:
5,23
